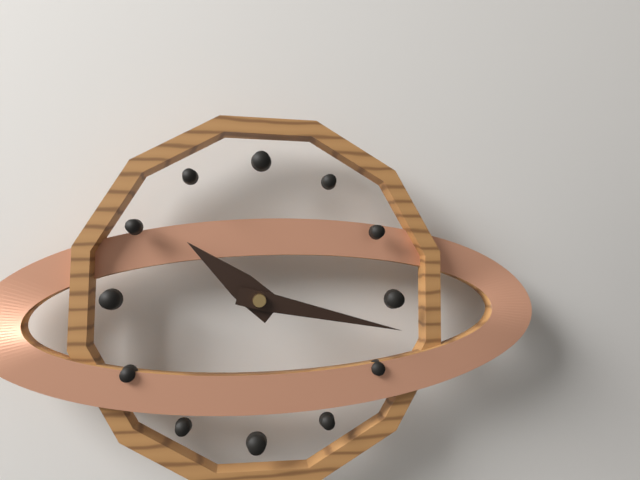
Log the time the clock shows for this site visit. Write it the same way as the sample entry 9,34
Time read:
10,17
